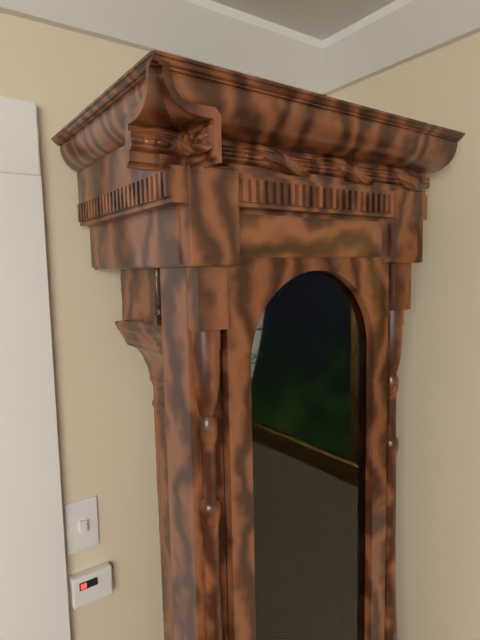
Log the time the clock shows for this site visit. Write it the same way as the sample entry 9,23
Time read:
3,21
